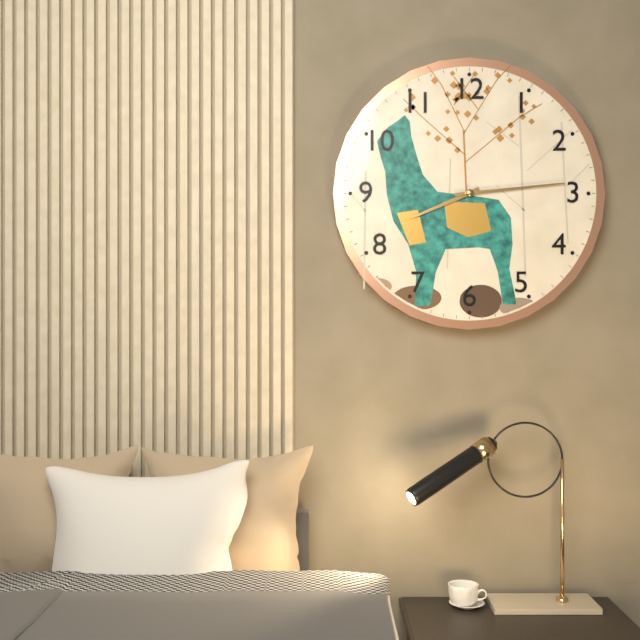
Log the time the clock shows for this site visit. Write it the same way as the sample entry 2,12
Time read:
8,14
